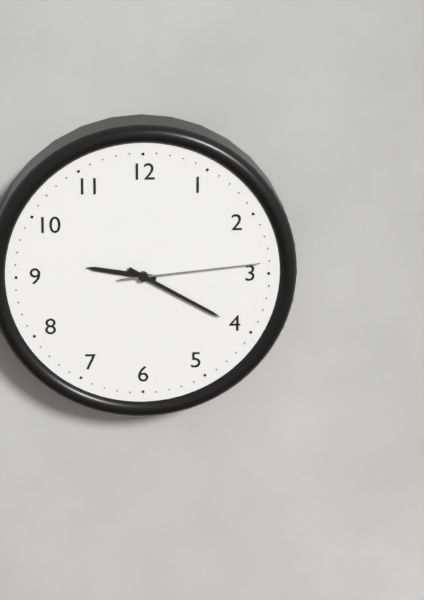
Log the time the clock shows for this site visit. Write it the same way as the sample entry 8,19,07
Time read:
9,20,14
